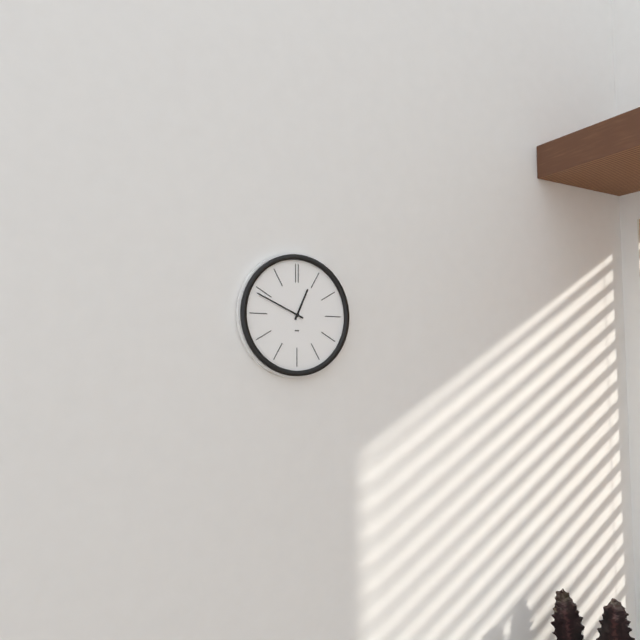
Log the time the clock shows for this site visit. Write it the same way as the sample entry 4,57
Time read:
12,49
